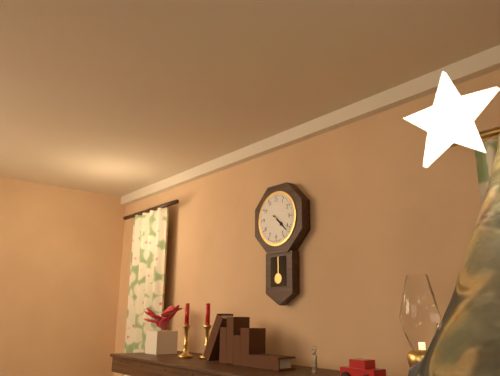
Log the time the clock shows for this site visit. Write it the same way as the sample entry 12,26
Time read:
4,22
